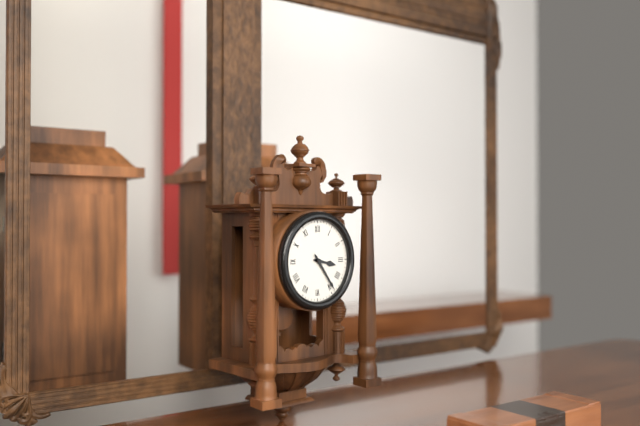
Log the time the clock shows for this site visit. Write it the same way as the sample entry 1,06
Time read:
3,24
